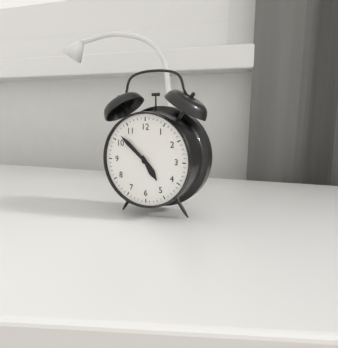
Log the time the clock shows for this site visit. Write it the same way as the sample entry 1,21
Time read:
4,52
